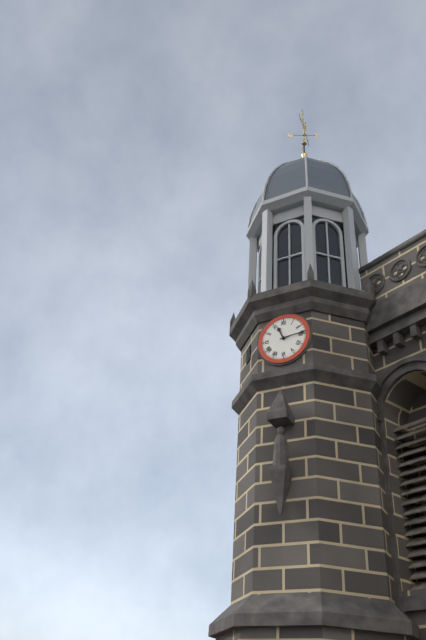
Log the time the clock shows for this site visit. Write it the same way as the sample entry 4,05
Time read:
11,14
